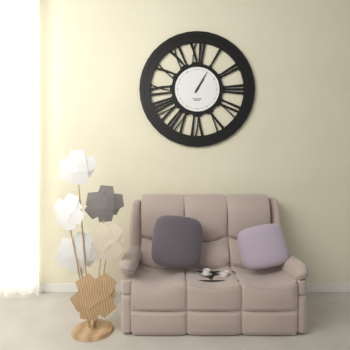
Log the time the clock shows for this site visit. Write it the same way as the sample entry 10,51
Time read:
1,05
